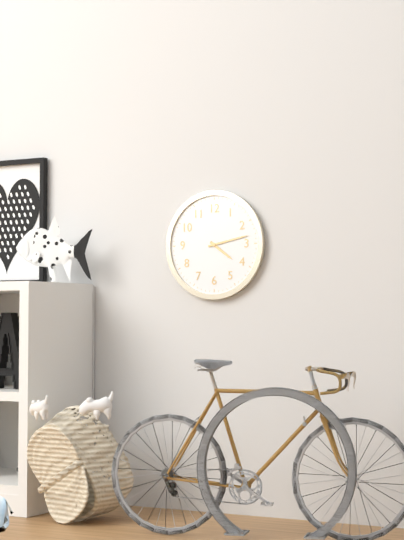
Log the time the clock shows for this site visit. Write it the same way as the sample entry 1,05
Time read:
4,13
